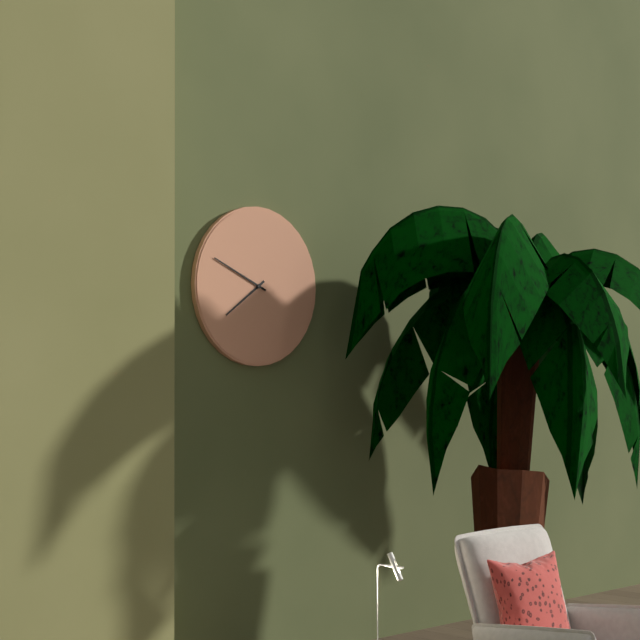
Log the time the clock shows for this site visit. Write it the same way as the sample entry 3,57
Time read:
7,49
